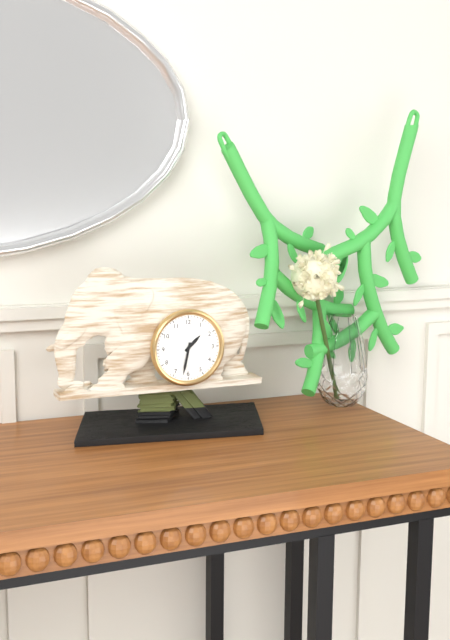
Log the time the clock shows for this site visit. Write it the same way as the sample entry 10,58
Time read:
1,32
